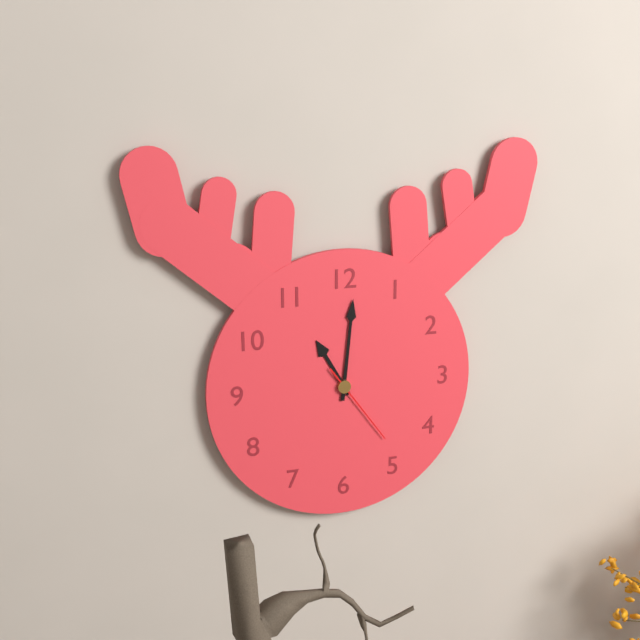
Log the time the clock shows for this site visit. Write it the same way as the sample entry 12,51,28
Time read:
11,01,24
